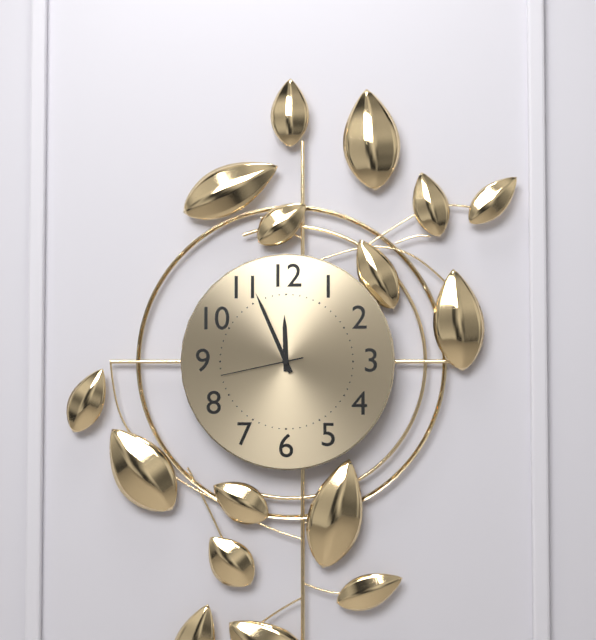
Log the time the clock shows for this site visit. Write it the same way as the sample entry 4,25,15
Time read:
11,56,43
